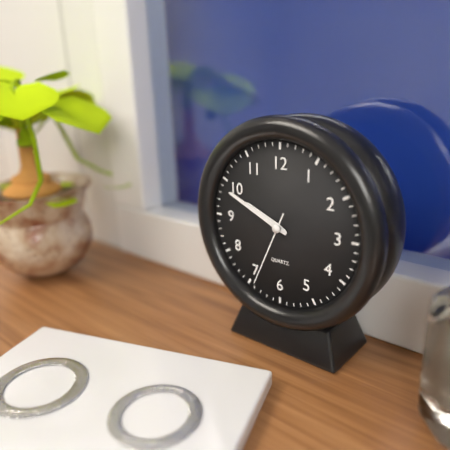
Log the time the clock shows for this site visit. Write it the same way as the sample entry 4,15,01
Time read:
9,49,34
